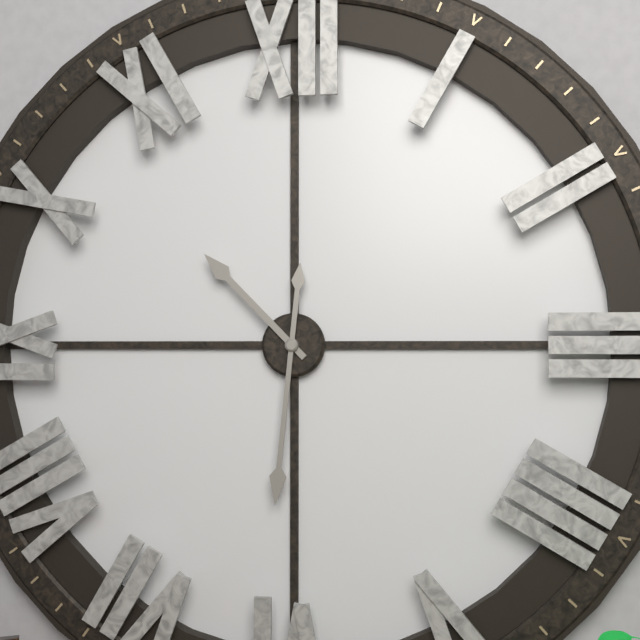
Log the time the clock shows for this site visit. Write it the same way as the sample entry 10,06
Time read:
10,31
